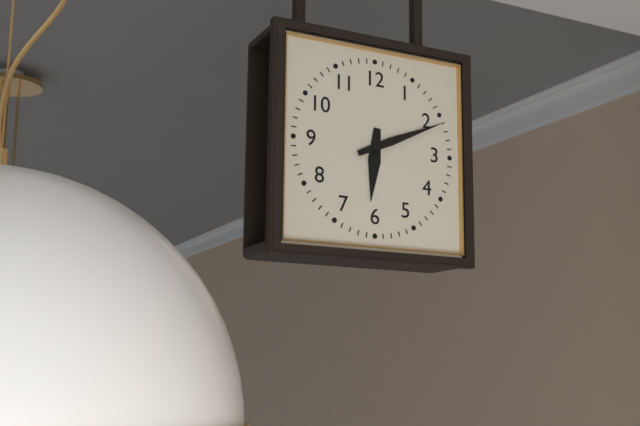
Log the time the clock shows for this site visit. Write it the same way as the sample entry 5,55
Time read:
6,11
